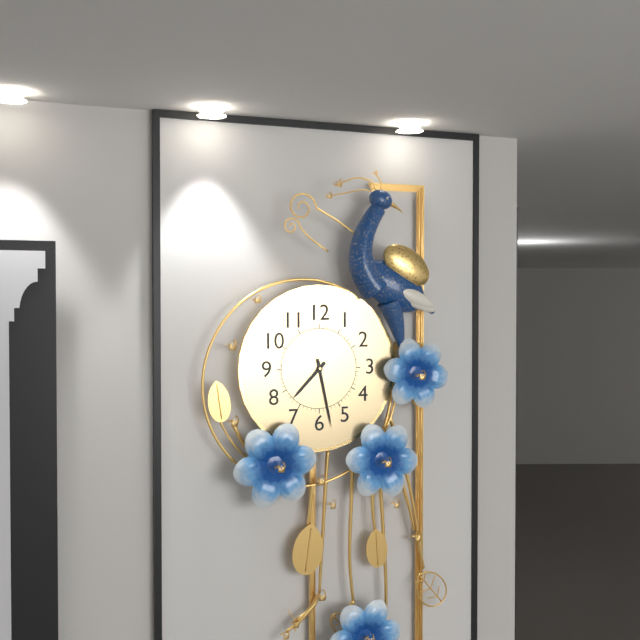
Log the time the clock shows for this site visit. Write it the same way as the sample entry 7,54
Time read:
7,28
